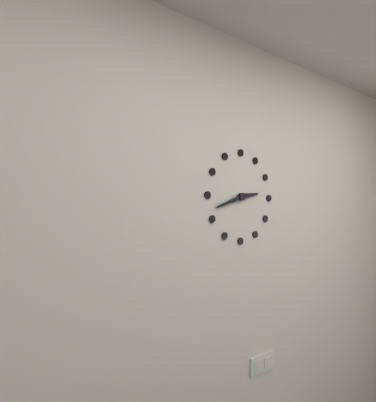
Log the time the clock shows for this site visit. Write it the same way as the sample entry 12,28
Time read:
2,42
